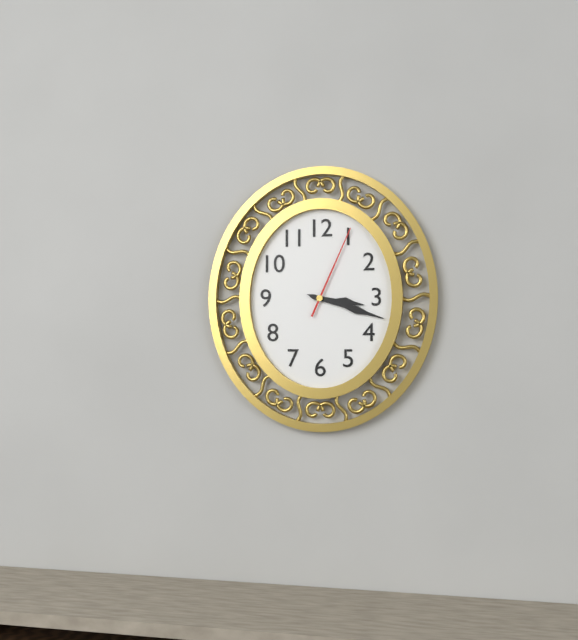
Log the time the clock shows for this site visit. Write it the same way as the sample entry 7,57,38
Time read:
3,18,04
